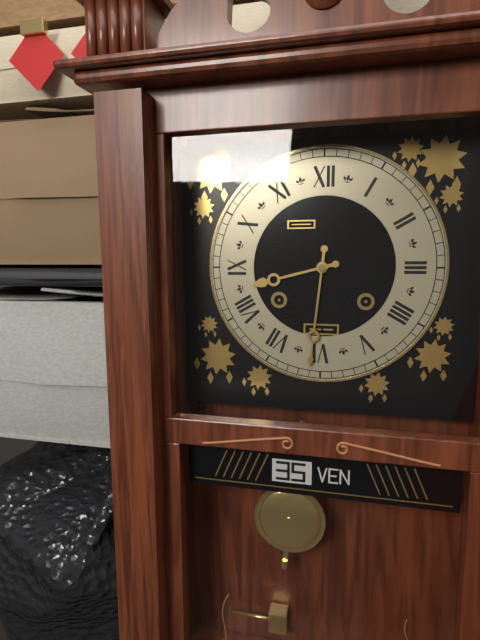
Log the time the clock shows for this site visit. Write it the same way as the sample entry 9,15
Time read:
8,31
